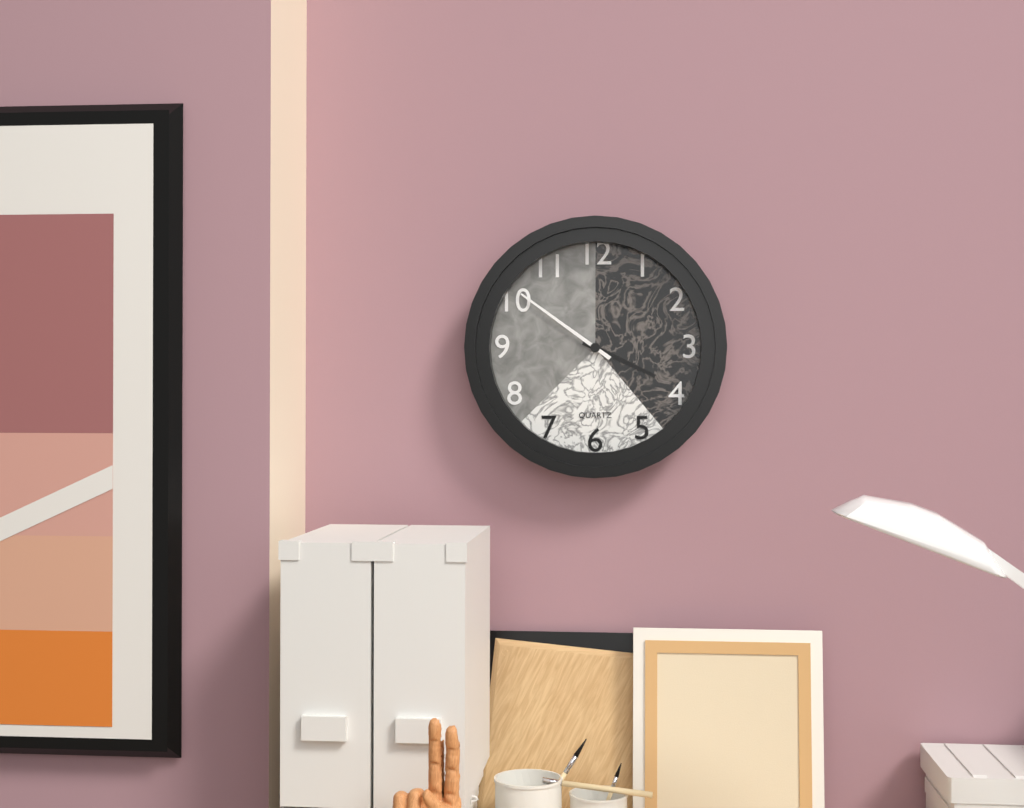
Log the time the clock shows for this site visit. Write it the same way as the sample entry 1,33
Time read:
3,51
